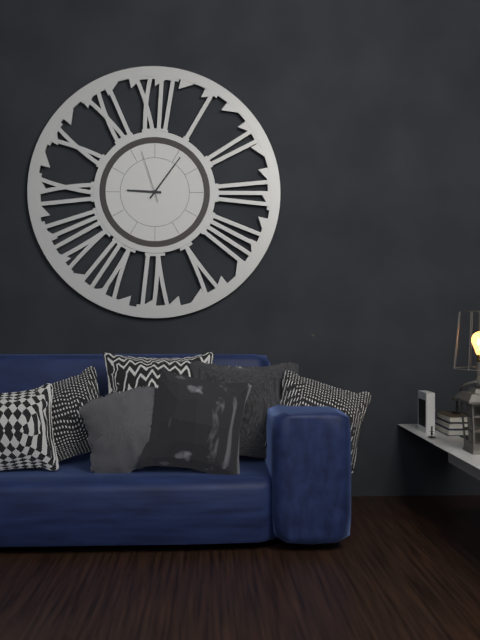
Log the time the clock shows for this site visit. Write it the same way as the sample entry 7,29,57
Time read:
9,06,57
